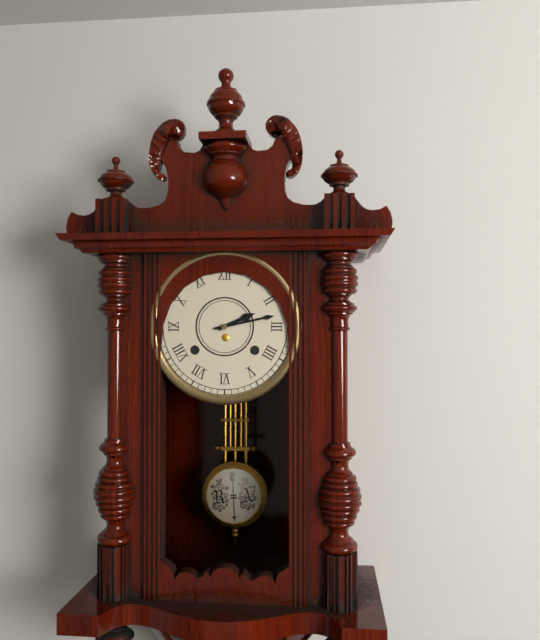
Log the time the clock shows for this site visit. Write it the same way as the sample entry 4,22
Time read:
2,13
